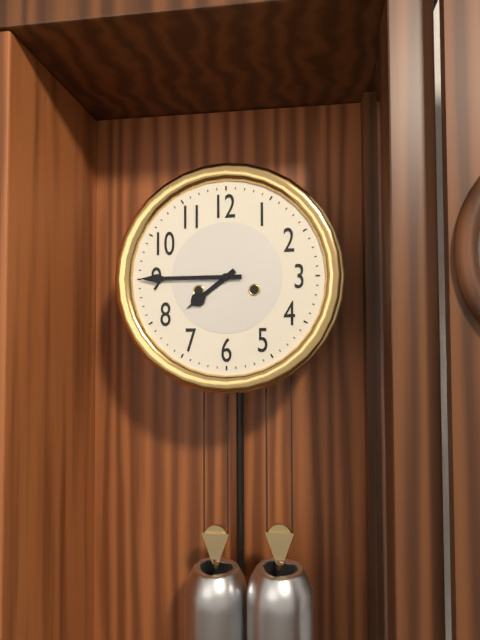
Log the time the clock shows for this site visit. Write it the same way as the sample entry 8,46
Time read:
7,45
